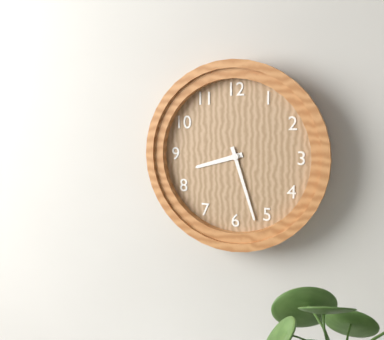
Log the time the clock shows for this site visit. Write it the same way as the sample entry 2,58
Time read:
8,27
